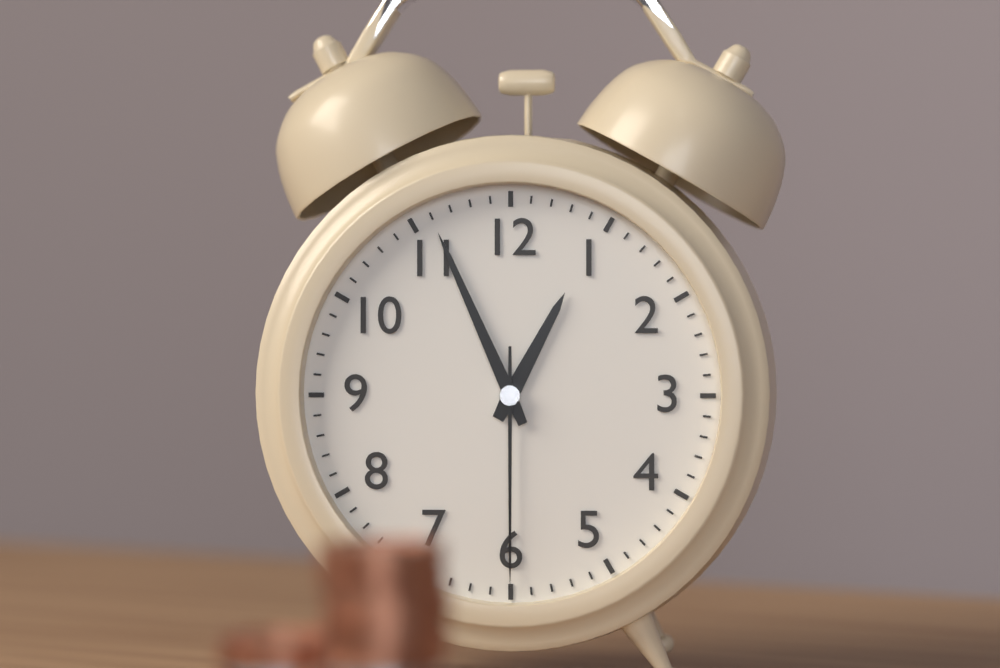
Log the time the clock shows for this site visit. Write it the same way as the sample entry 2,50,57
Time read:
12,56,30
